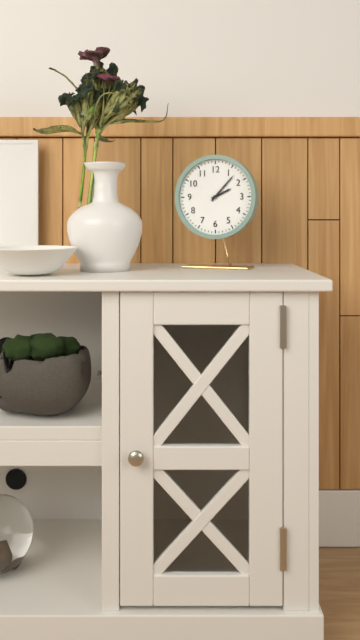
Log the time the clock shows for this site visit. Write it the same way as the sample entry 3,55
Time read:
2,07
